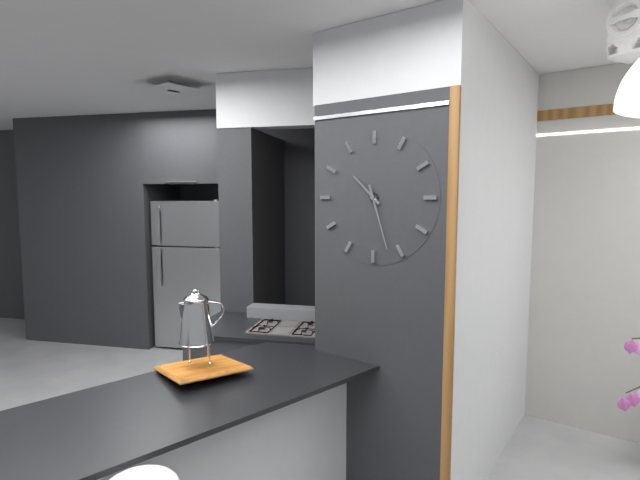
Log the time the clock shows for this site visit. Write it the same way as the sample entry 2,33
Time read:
10,27
